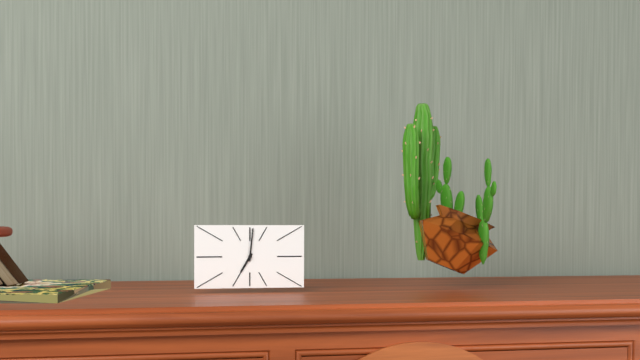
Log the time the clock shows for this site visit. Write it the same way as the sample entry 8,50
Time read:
7,01
